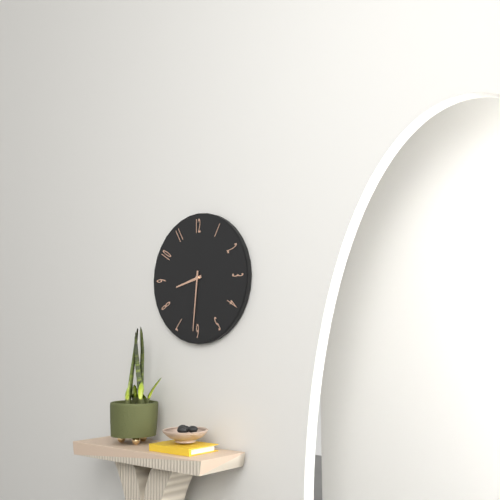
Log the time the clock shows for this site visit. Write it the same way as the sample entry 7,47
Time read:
8,31
